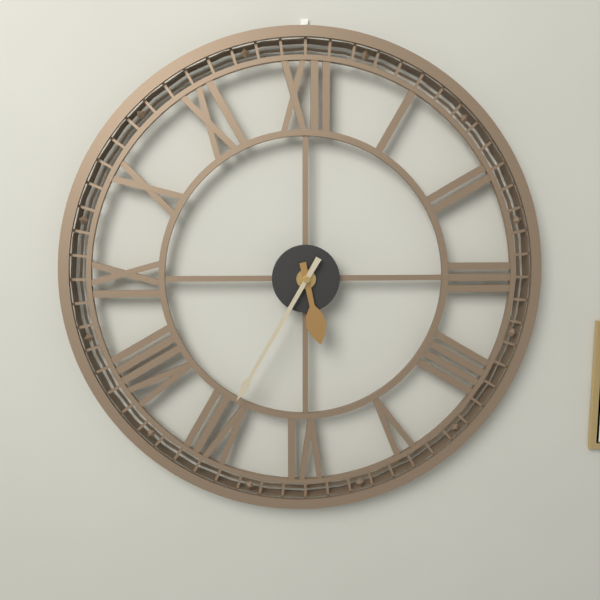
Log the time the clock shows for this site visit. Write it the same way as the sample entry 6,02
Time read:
5,35
